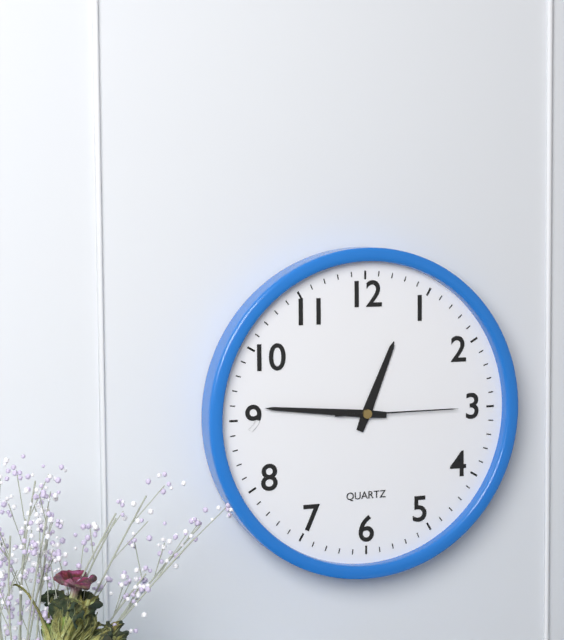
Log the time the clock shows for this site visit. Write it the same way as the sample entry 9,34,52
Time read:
12,46,15
